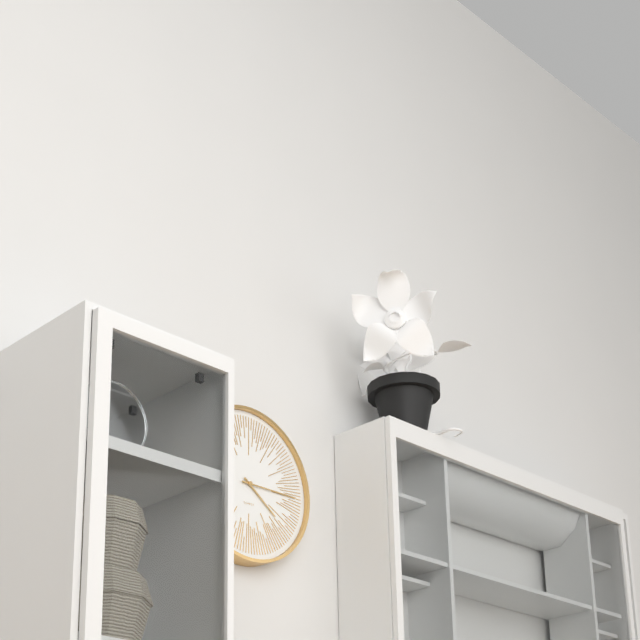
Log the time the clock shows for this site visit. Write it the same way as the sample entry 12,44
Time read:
4,15
